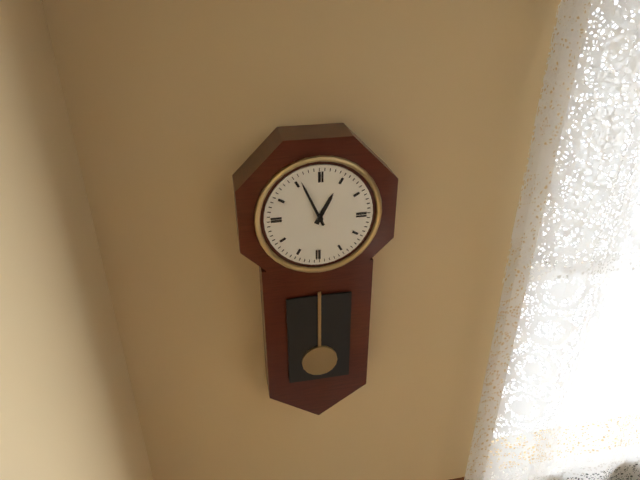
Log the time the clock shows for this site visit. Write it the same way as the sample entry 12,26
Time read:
12,56
